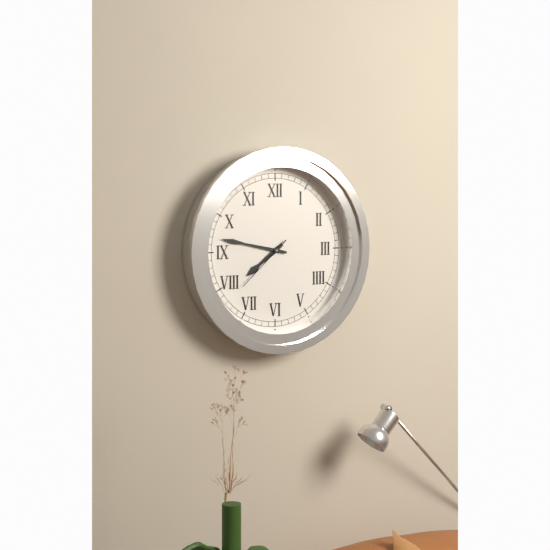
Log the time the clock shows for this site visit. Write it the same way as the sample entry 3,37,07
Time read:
7,47,38
